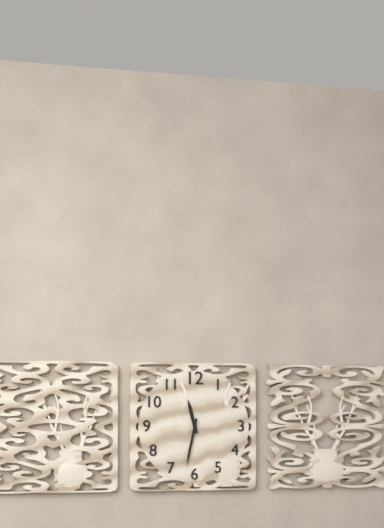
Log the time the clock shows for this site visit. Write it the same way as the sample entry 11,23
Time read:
11,32
